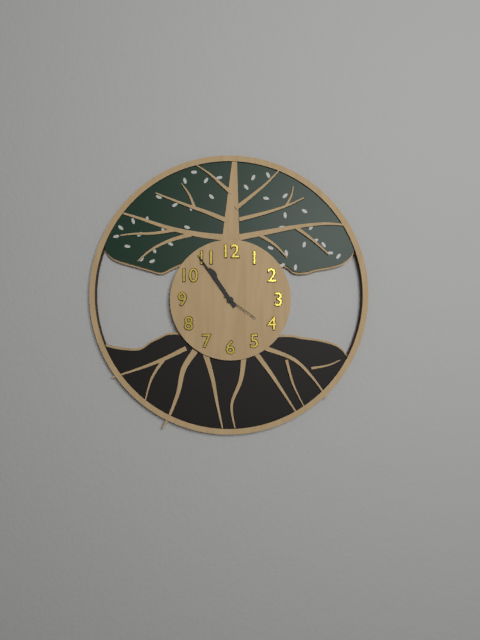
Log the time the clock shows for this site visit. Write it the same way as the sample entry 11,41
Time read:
10,54
